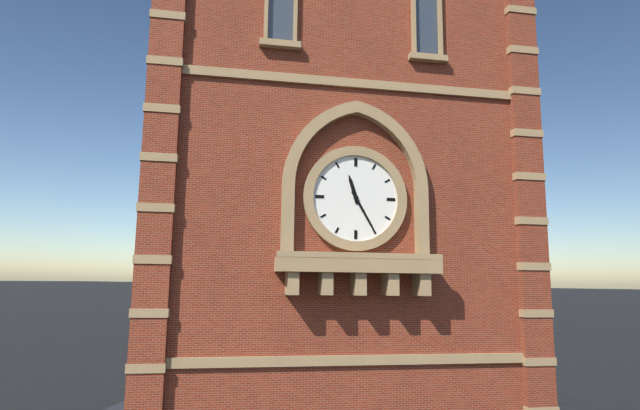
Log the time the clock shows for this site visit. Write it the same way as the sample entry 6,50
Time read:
11,25
